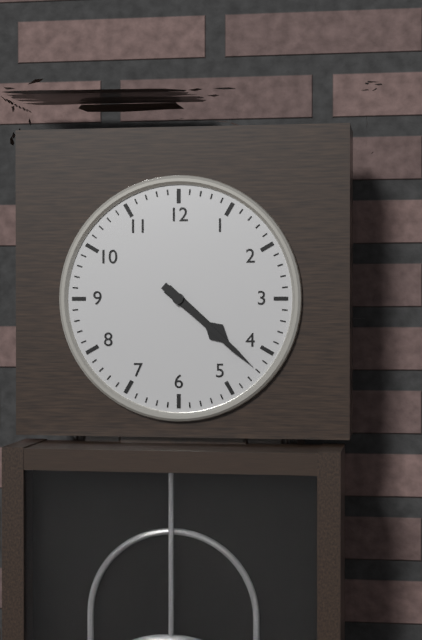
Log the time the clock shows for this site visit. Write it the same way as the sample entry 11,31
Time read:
4,22
